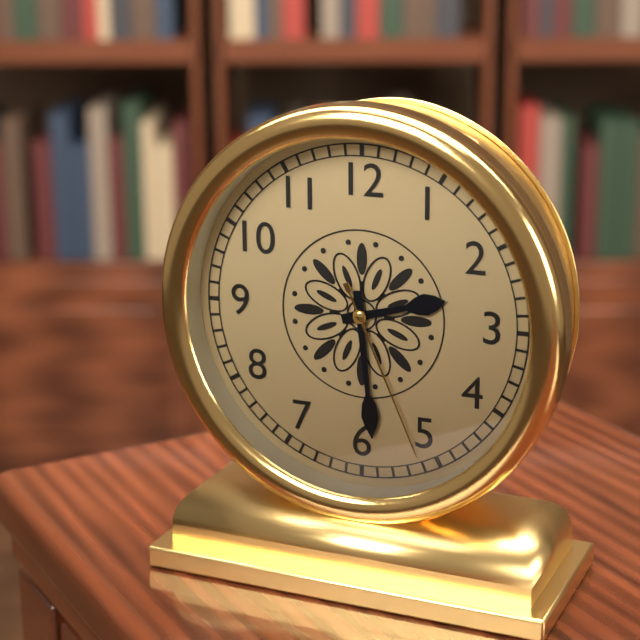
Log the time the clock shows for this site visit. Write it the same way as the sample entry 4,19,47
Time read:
2,29,26
